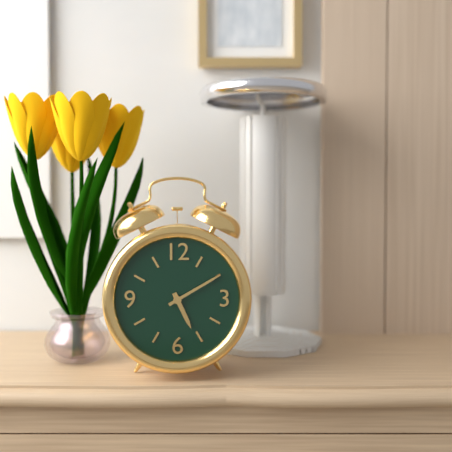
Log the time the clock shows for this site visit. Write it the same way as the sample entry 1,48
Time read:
5,10
